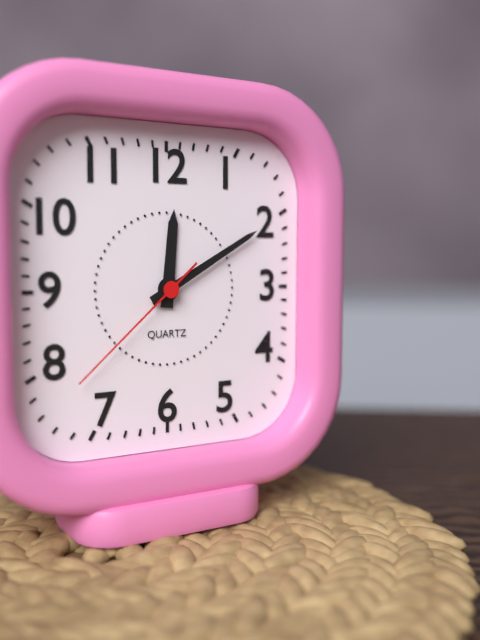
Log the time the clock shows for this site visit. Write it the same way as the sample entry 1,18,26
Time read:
12,10,38
